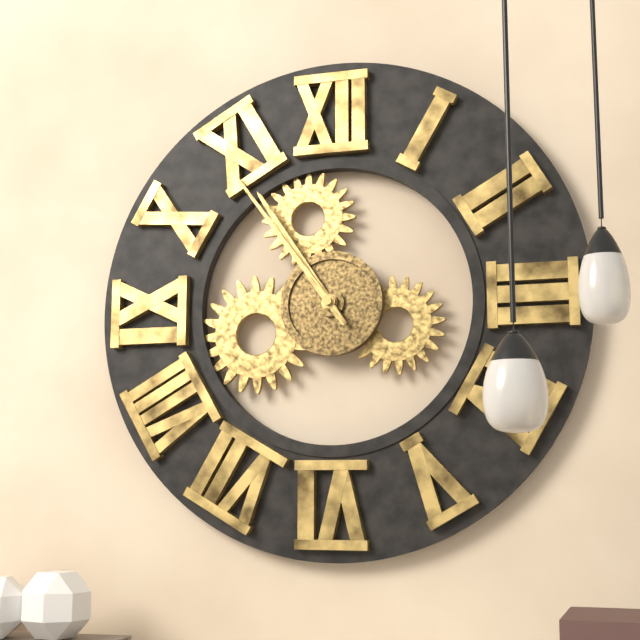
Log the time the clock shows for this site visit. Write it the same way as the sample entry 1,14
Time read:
10,54
